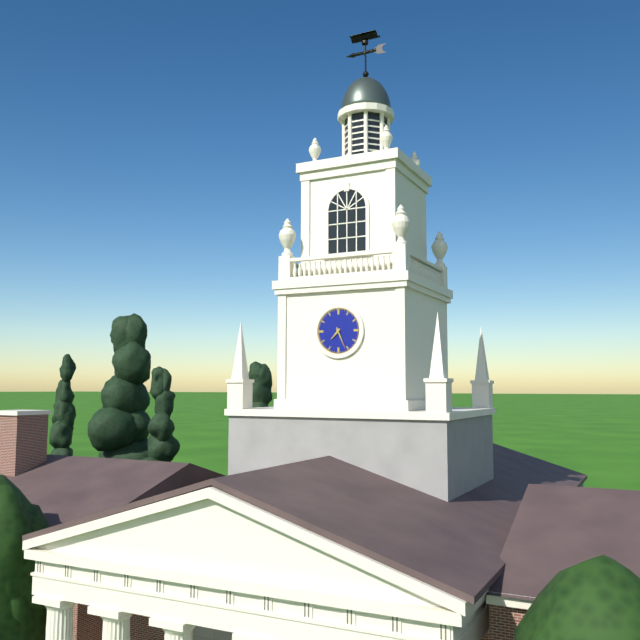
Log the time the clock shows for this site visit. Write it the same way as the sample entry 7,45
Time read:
7,26
